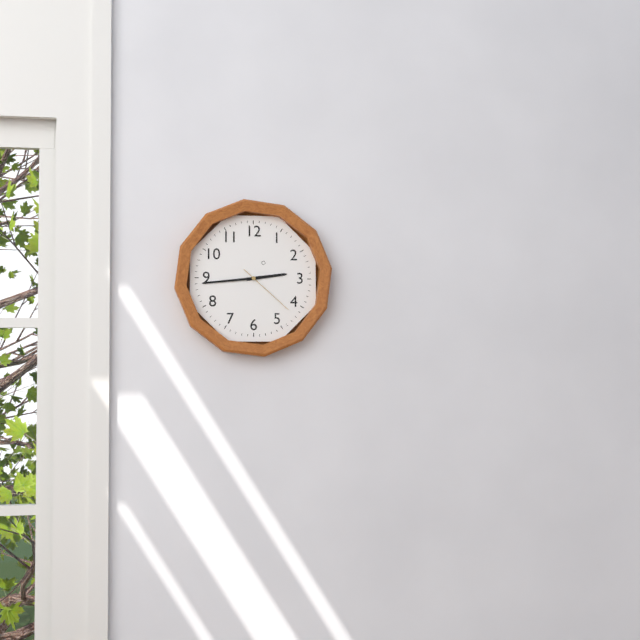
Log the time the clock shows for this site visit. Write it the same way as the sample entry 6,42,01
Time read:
2,44,22
